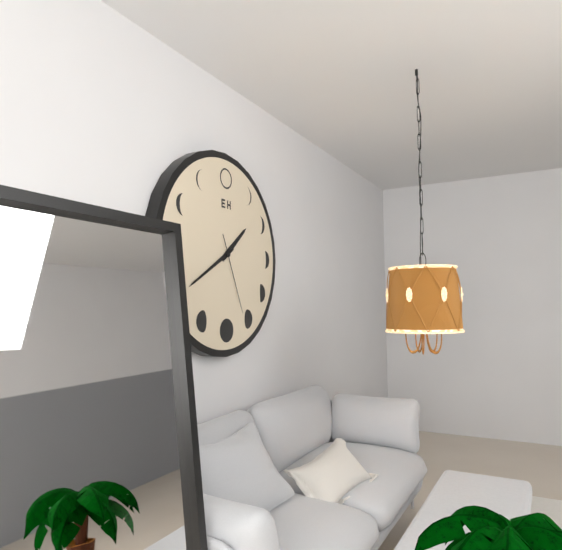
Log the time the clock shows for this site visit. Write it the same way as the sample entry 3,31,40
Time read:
1,40,26
